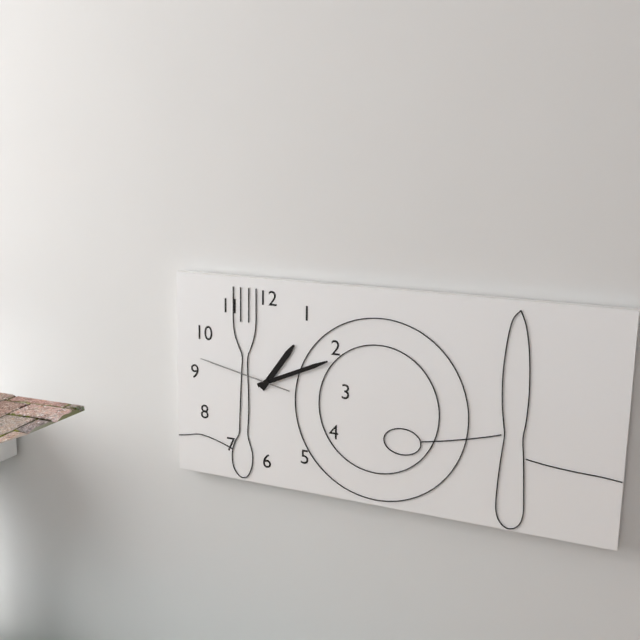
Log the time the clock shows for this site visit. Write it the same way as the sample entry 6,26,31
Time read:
1,11,47
